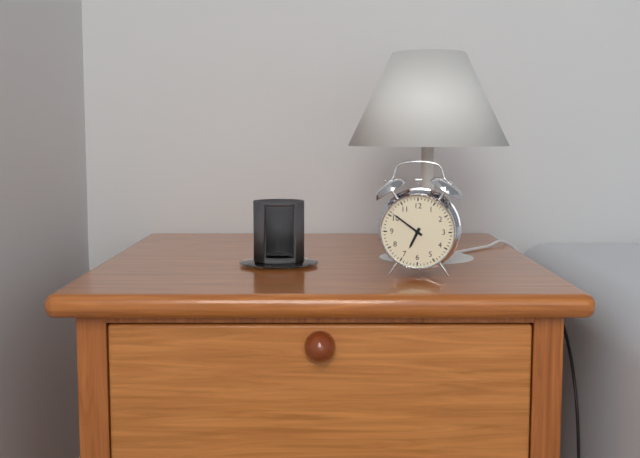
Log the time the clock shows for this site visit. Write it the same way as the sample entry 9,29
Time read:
6,51
